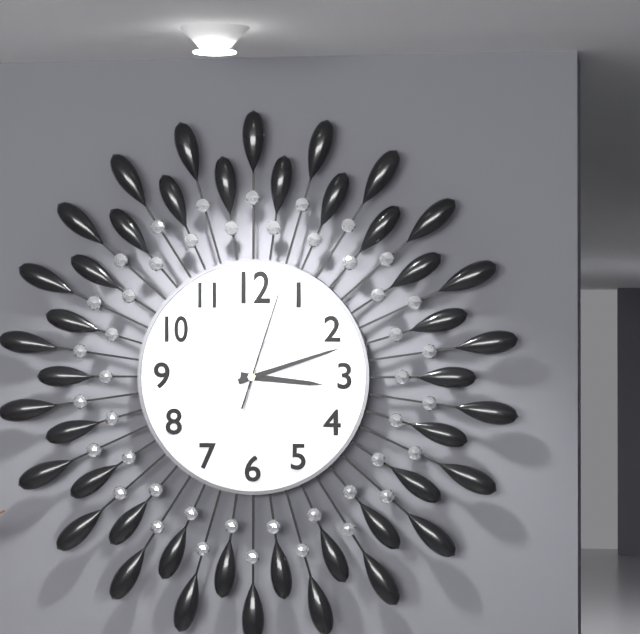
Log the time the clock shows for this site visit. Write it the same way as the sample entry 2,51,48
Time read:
3,12,03
